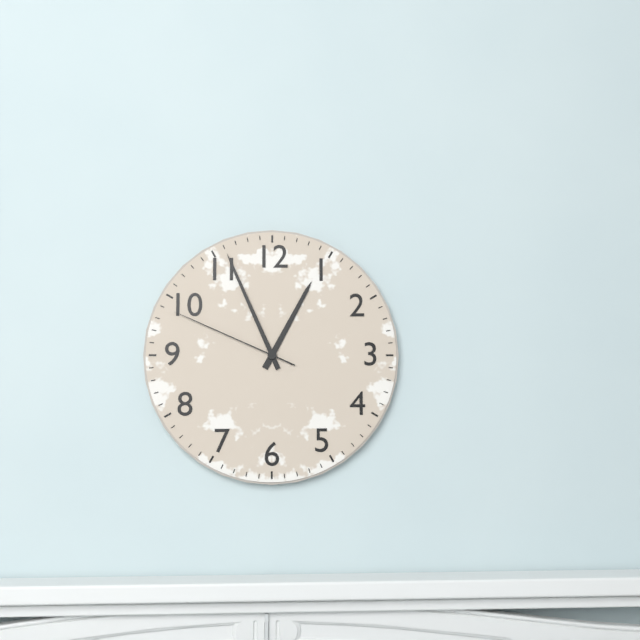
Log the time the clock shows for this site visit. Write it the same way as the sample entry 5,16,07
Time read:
12,56,49
